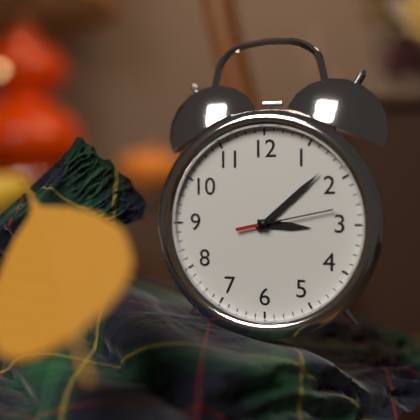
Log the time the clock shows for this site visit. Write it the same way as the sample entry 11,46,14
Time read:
3,08,13
